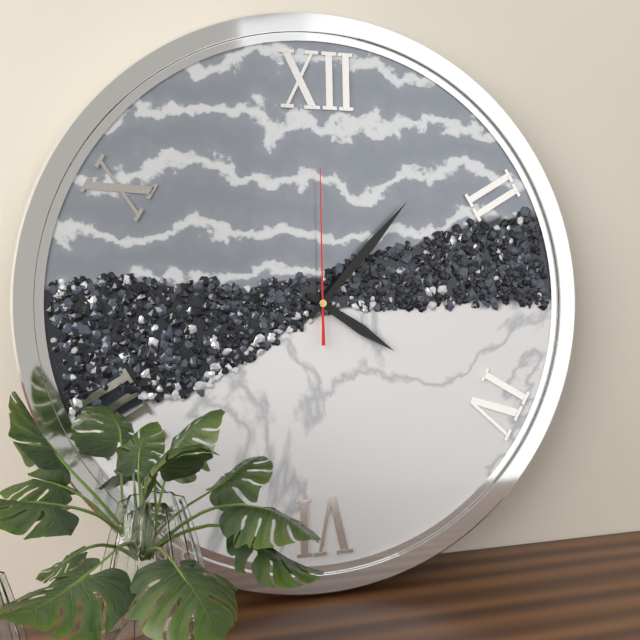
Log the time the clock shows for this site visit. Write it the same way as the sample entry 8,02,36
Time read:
4,07,00
